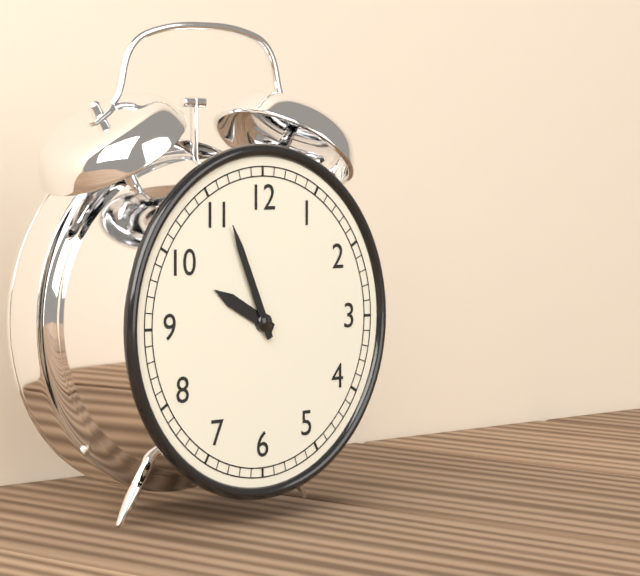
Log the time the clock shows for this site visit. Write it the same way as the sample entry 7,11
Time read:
9,56
